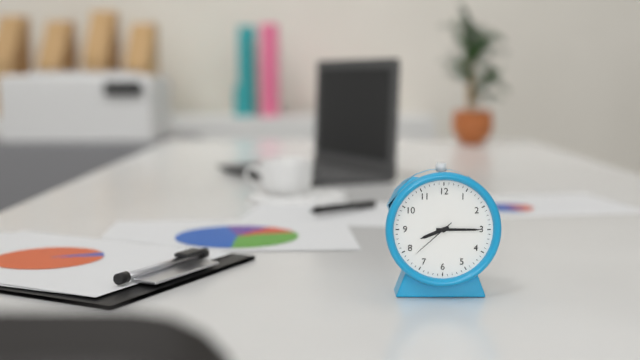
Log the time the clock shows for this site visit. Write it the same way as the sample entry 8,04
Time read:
8,15
